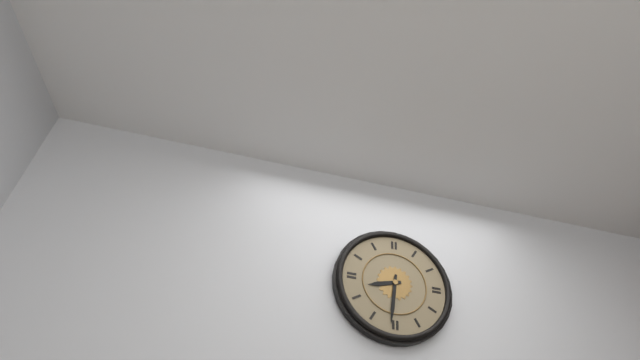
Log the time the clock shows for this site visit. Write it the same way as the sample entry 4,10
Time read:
8,31
